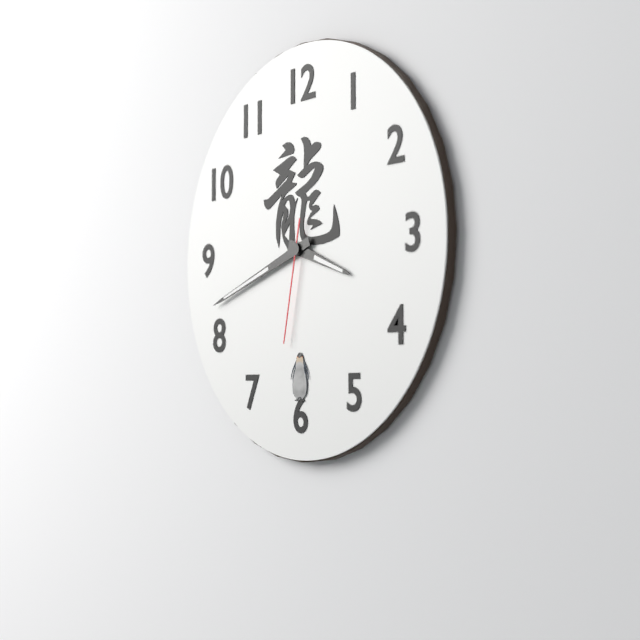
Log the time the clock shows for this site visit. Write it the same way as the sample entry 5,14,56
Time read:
3,42,32
